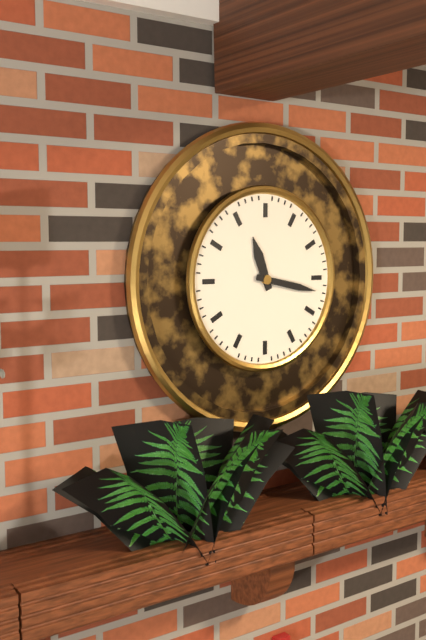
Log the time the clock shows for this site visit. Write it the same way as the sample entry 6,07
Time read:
11,17
